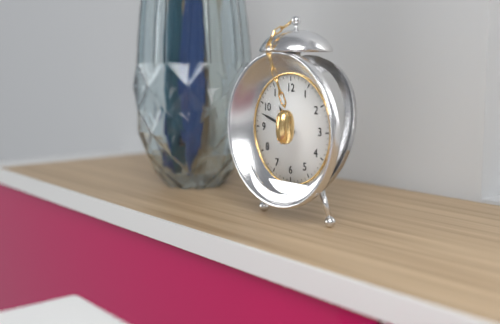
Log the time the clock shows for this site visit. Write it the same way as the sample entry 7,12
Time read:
10,48
